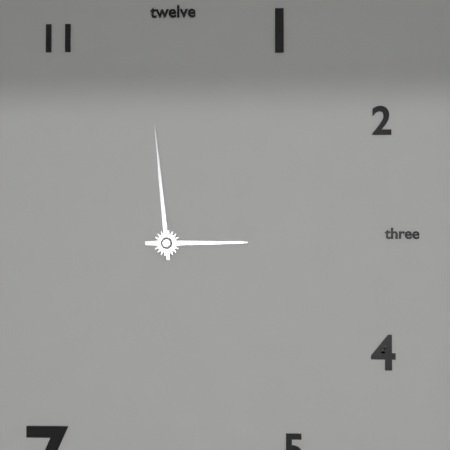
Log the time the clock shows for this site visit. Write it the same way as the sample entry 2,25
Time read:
2,59
